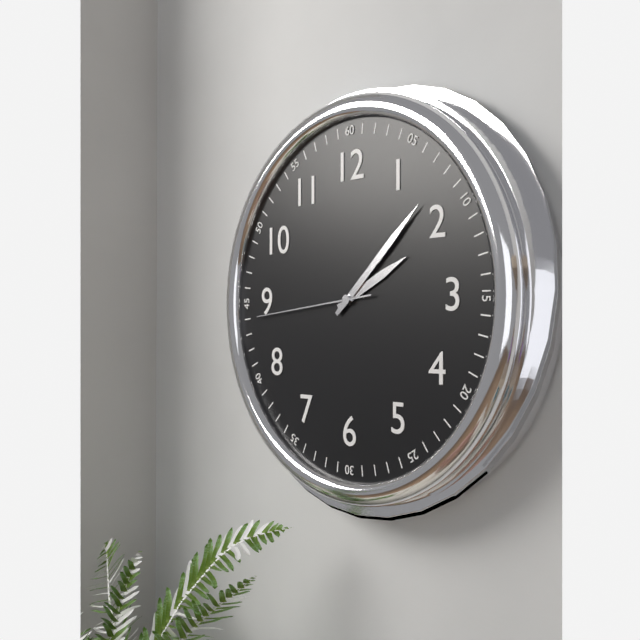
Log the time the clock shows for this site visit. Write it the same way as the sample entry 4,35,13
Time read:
2,08,44
